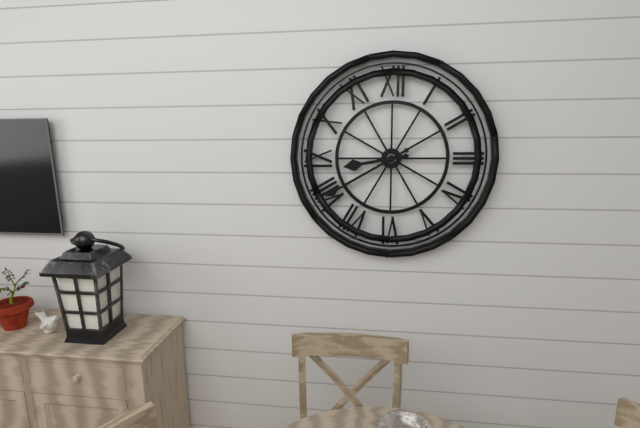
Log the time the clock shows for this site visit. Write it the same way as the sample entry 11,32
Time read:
8,40
